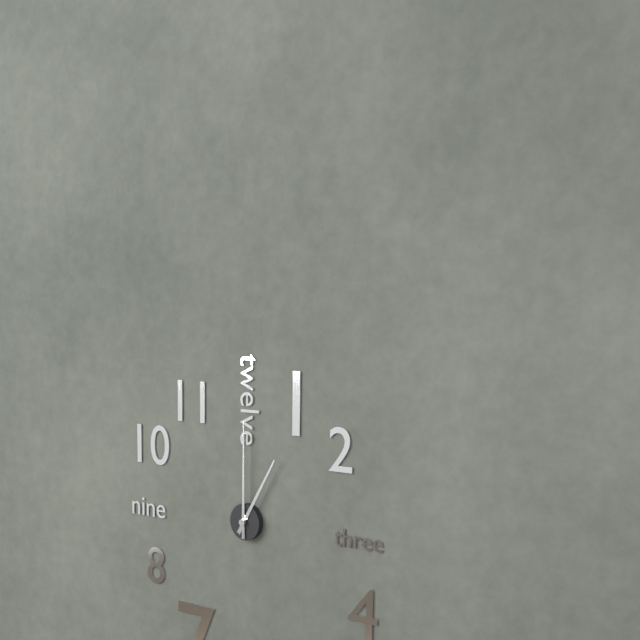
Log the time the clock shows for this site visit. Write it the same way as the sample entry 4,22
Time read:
1,00
